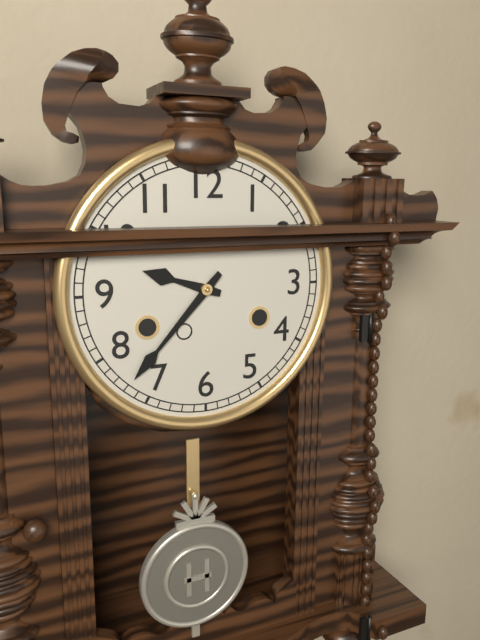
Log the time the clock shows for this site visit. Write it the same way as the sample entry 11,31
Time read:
9,37
